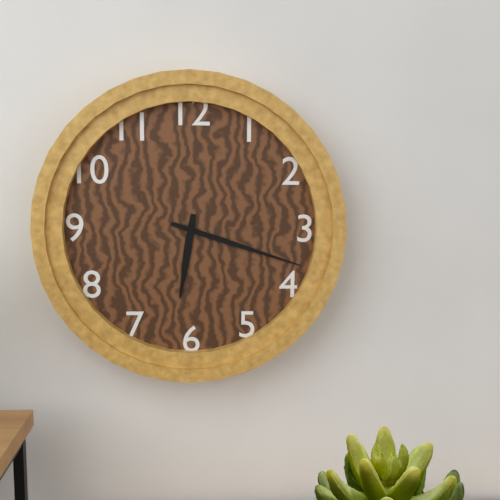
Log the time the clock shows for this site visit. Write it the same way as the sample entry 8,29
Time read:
6,18
